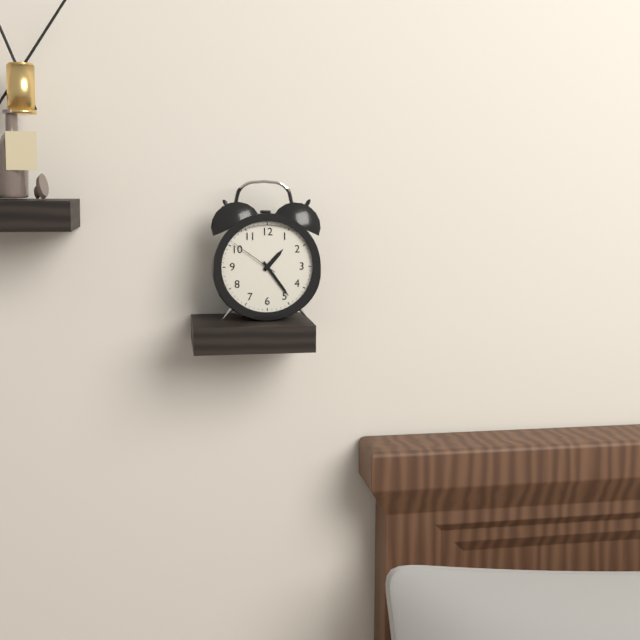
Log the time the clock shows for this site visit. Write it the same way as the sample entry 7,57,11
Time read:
1,24,51
